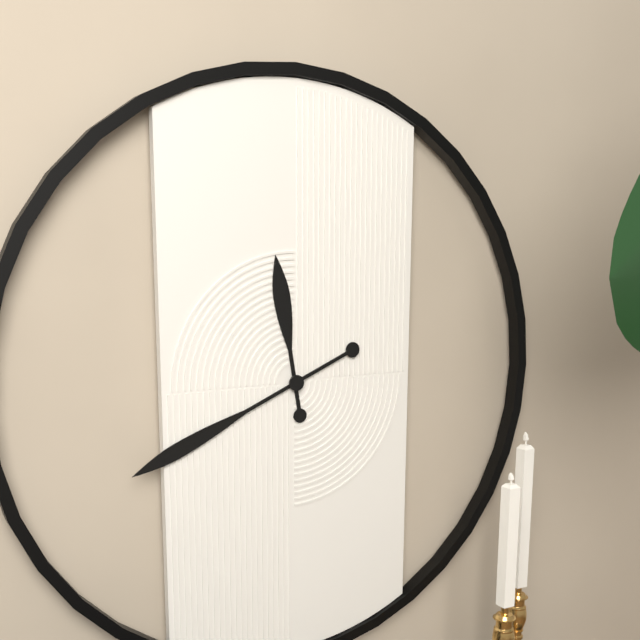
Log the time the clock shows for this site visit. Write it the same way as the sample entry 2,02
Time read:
11,41
